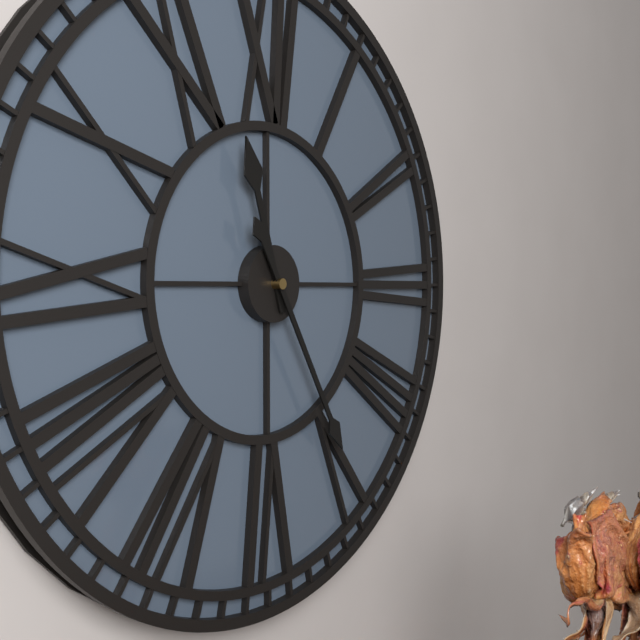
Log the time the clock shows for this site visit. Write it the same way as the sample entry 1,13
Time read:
11,25
